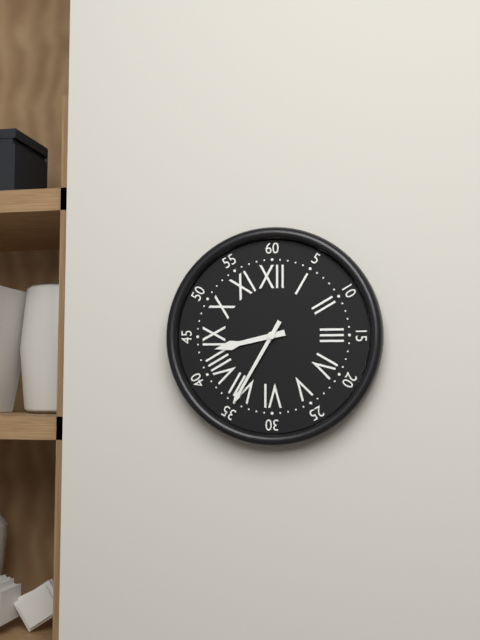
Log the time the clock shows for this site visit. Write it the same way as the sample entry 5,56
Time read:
8,35
